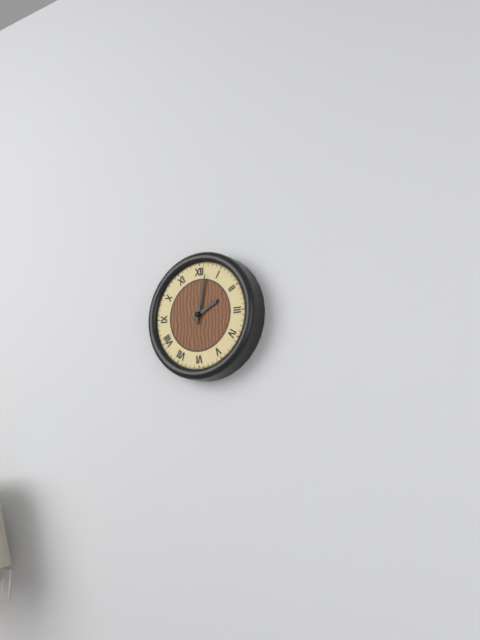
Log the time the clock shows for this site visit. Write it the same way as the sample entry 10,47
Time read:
2,02
